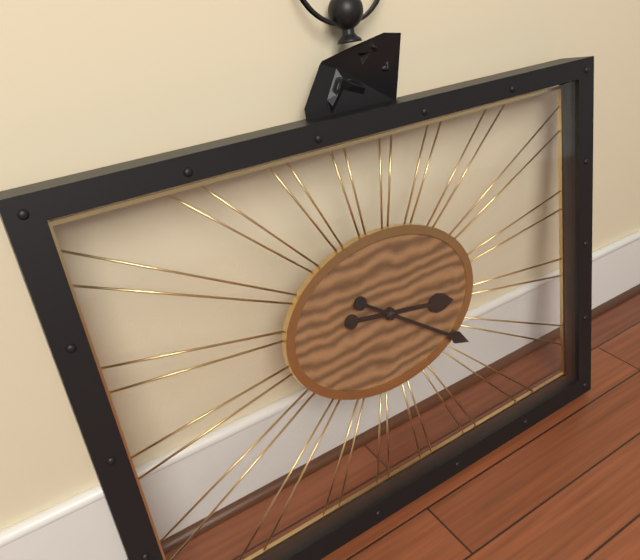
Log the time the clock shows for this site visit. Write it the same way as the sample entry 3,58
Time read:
3,21
